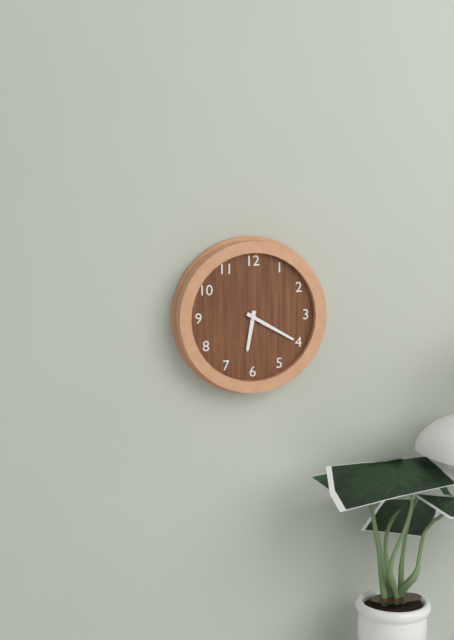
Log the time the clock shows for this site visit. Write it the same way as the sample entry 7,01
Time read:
6,20
